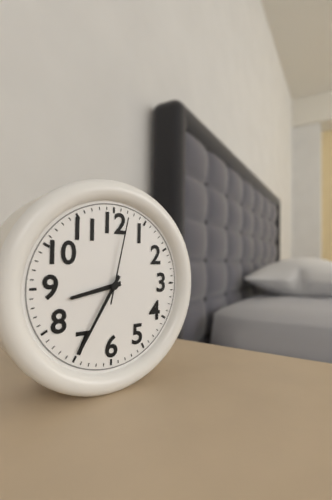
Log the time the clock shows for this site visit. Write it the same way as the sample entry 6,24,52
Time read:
8,35,02
